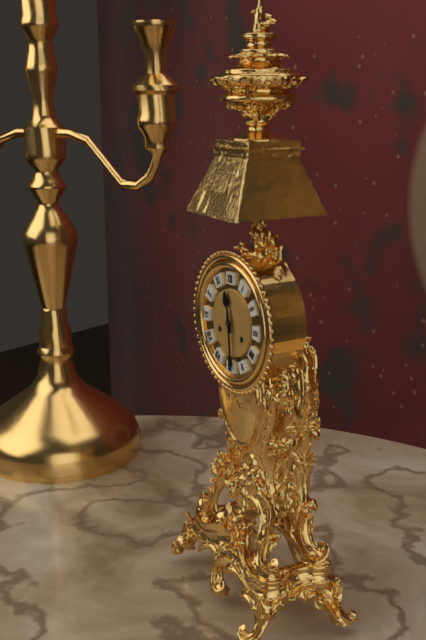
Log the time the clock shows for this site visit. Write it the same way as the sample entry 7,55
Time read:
11,29
